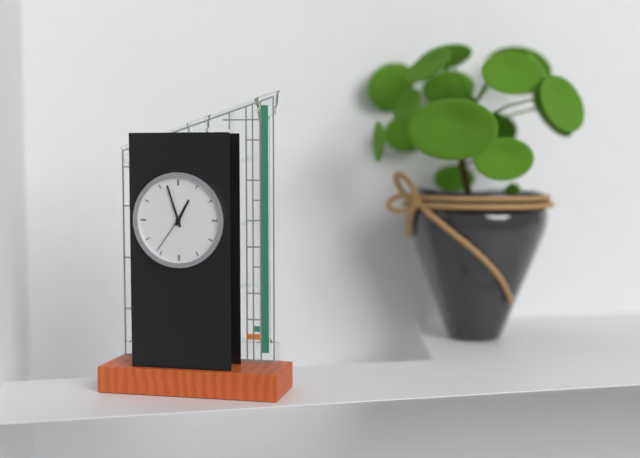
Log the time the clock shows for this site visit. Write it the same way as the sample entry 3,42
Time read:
12,57
